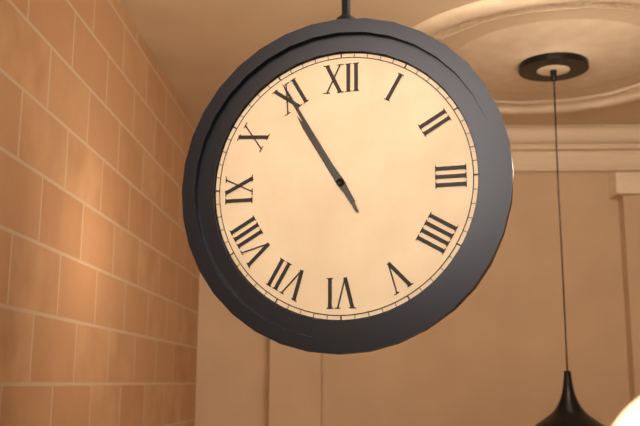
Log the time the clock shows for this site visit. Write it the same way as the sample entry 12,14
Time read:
10,55
